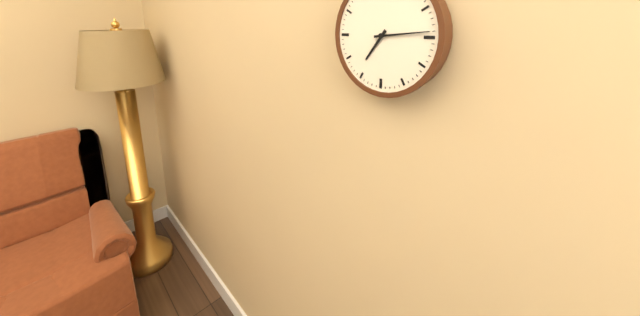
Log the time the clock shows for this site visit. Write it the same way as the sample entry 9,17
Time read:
7,14
